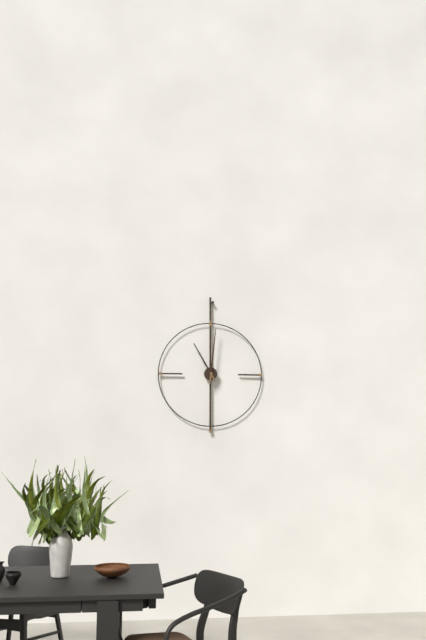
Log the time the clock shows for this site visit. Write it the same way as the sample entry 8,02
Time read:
11,01
